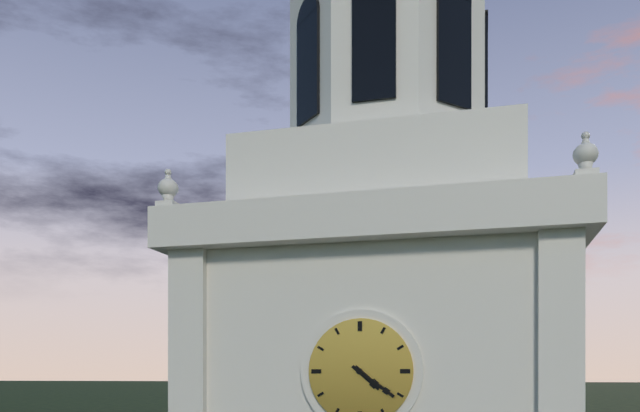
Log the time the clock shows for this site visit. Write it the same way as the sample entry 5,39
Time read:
4,21
